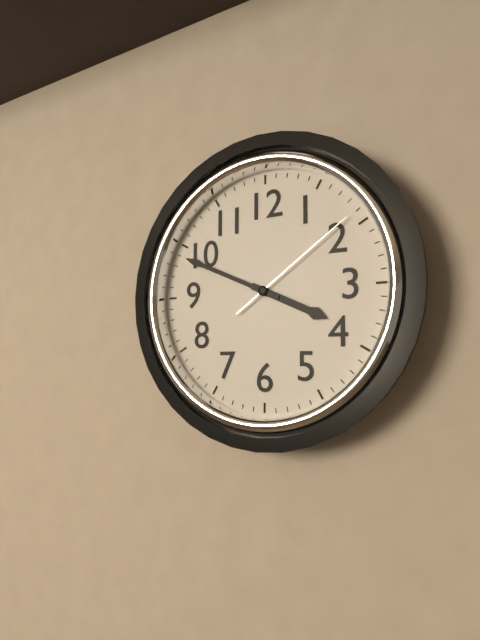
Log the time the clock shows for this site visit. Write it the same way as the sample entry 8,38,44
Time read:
3,49,09
